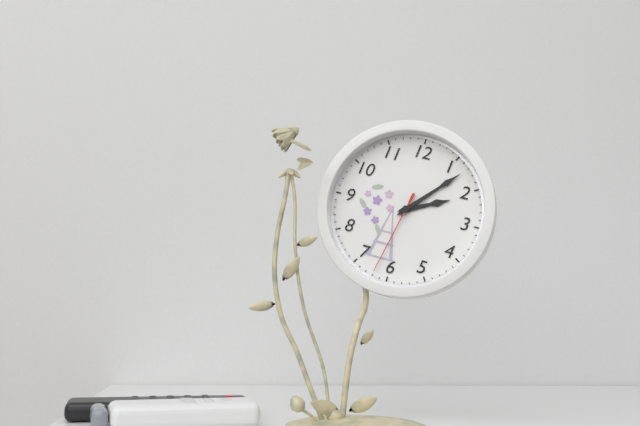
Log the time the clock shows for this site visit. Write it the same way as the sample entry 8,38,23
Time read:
2,07,32
